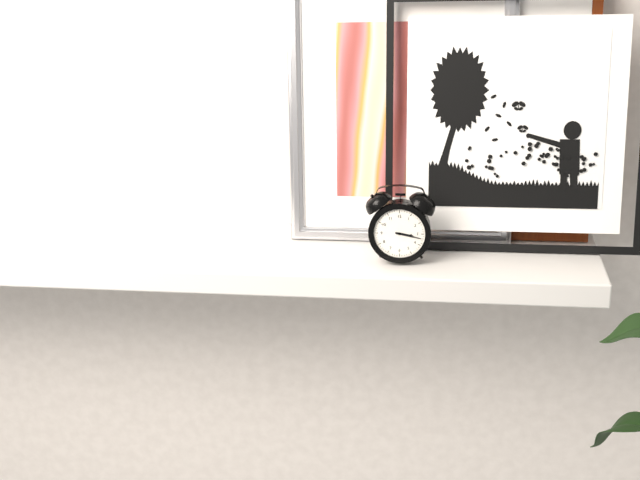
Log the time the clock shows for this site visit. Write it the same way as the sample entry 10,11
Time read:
3,17
